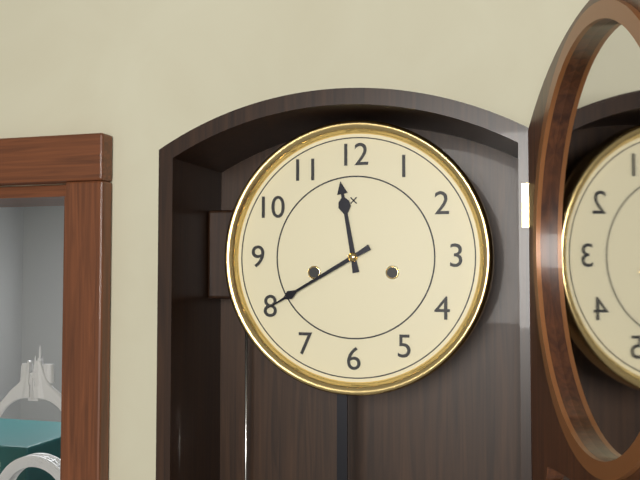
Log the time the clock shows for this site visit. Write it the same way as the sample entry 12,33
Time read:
11,40
